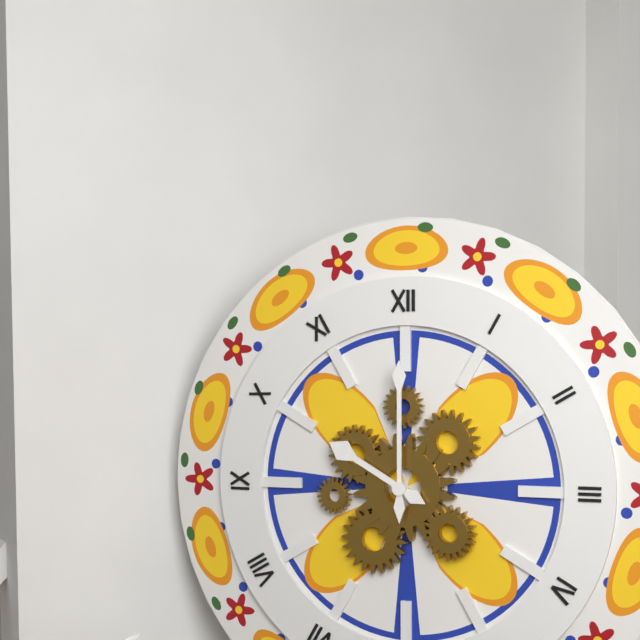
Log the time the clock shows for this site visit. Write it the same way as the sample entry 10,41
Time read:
10,00
